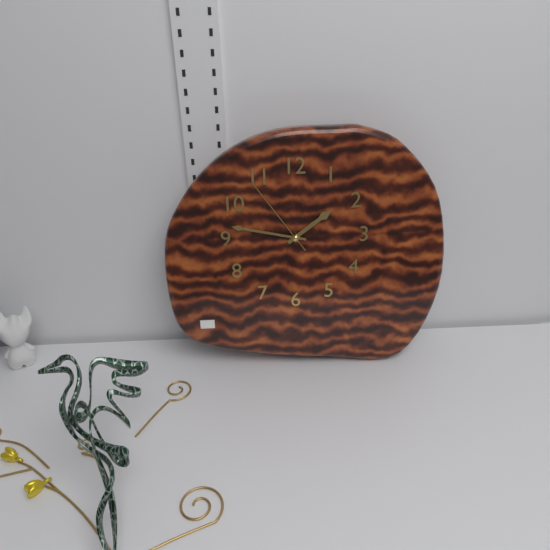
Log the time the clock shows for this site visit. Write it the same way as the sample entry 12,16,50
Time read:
1,47,54
